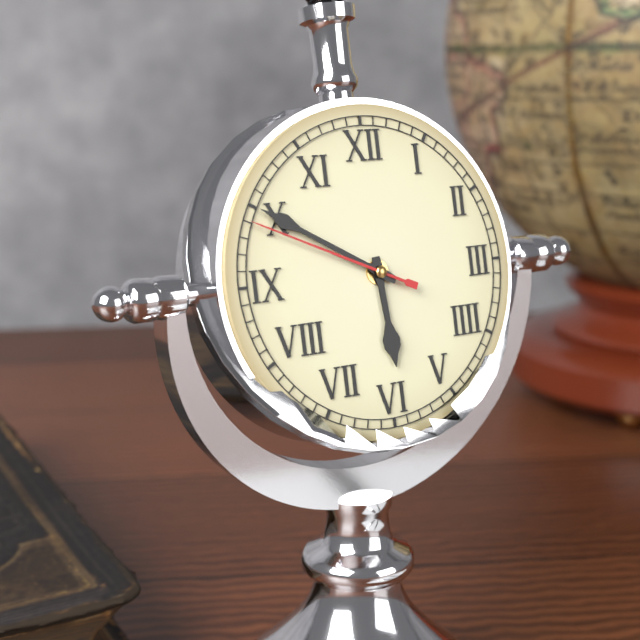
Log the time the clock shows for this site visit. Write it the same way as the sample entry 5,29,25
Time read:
5,50,49
